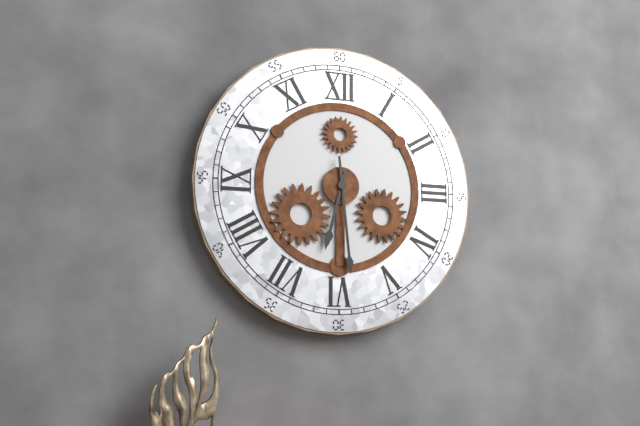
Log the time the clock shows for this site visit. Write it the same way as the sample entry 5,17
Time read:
6,29
